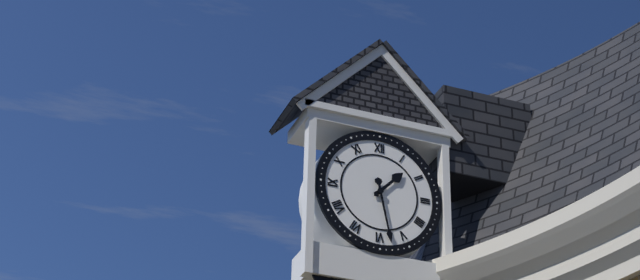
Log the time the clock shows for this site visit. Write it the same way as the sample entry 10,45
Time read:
1,28
